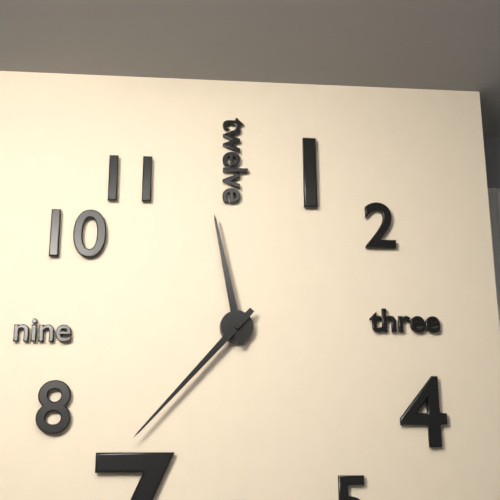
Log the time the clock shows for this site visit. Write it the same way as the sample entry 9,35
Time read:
11,37
